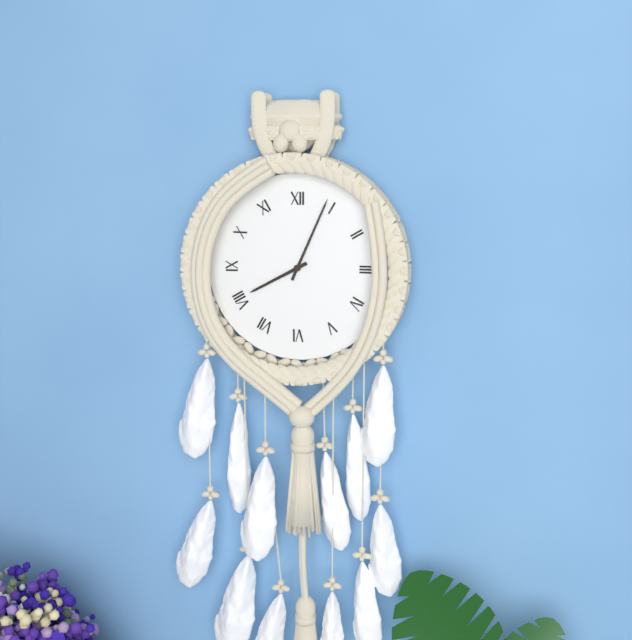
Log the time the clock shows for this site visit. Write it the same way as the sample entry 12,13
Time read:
8,04
